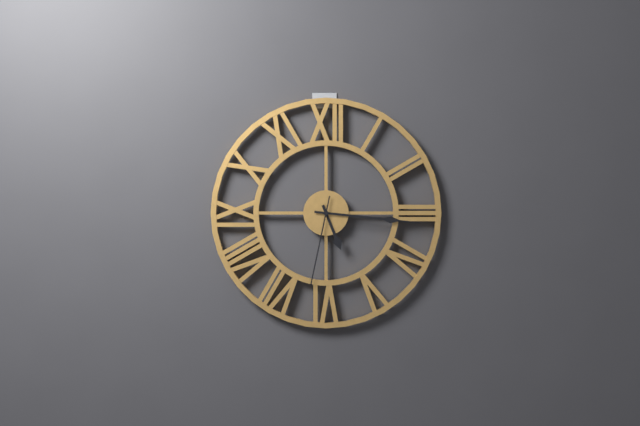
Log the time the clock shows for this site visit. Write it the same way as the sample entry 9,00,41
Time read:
5,16,32
